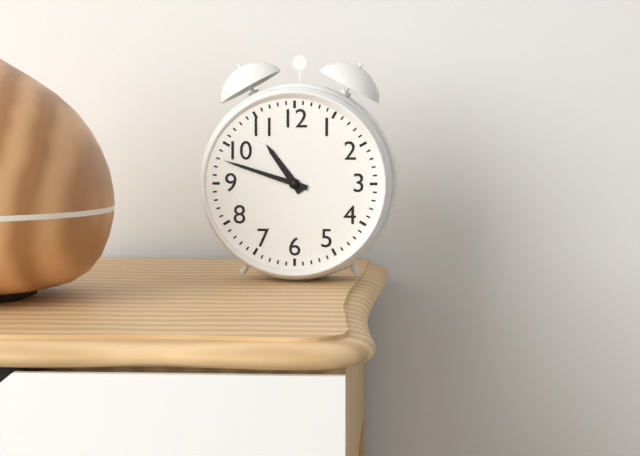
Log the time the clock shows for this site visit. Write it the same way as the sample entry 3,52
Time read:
10,48
